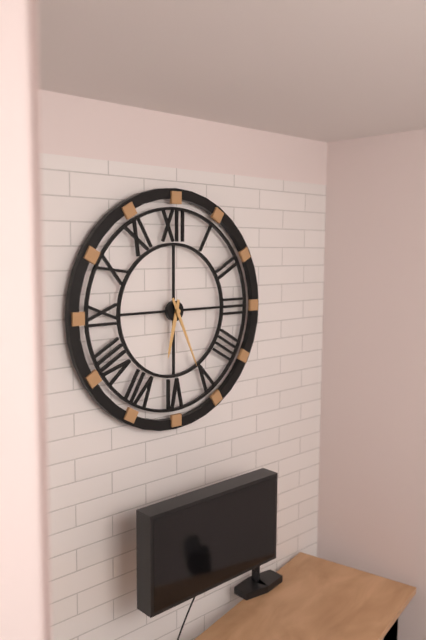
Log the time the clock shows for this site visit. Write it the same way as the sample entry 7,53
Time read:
6,26
